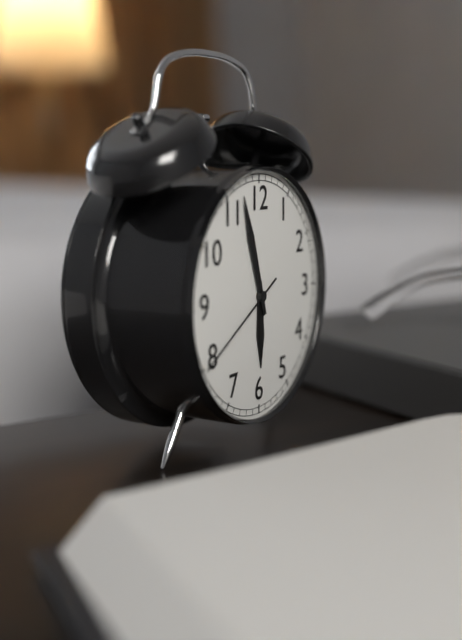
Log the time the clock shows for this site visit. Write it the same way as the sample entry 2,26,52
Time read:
5,57,40
